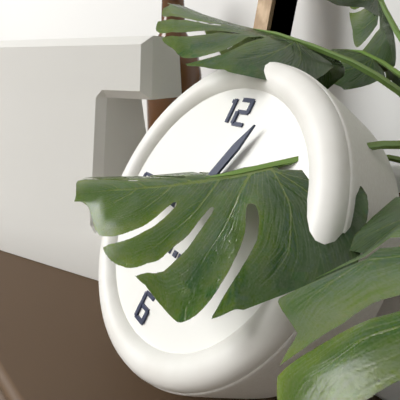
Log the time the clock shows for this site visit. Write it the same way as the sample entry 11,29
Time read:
9,04
